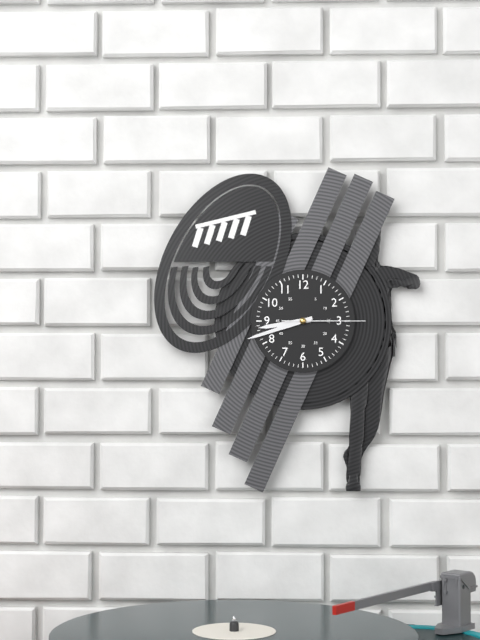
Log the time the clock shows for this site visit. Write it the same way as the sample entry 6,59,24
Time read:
8,42,15
